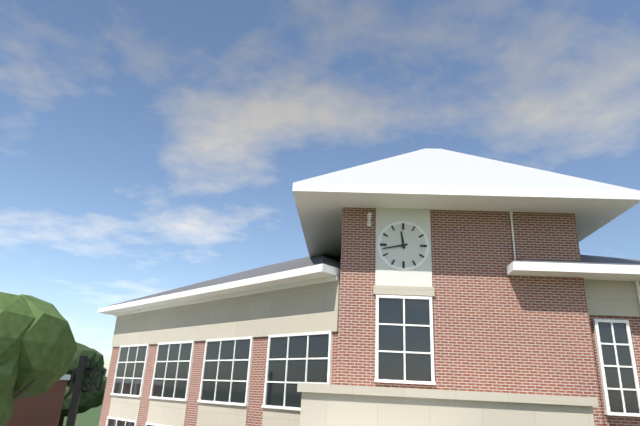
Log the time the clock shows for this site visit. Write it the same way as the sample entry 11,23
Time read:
11,43
